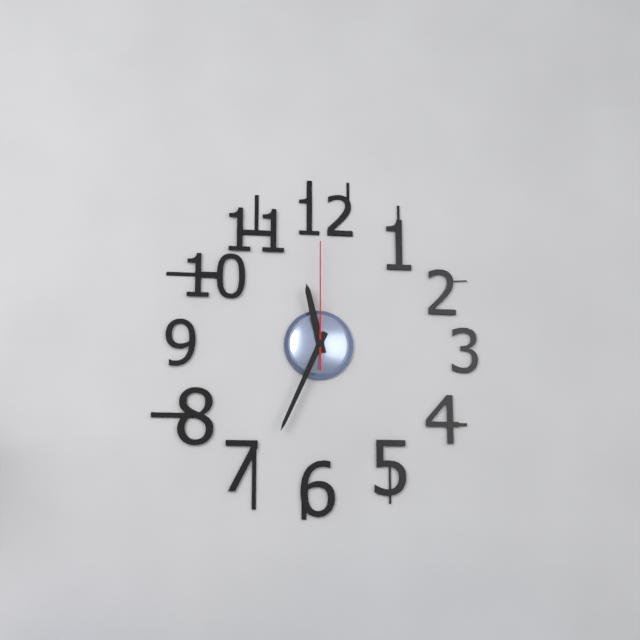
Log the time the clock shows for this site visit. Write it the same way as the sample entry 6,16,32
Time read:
11,34,00
